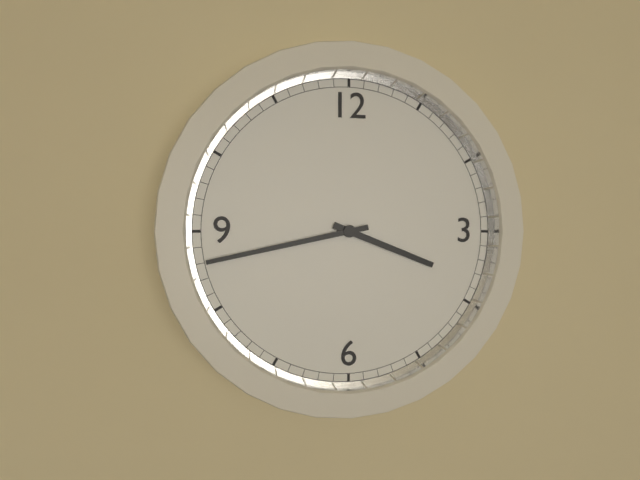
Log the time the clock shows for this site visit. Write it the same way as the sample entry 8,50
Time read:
3,43
